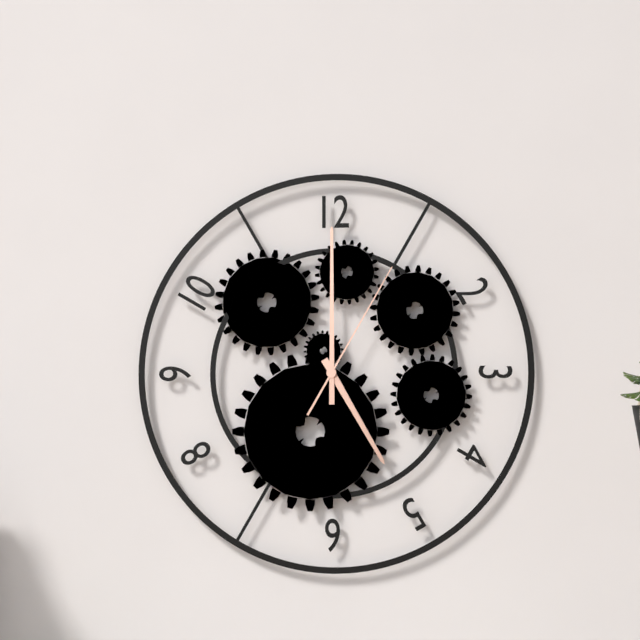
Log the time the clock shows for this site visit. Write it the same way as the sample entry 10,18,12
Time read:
5,00,05
